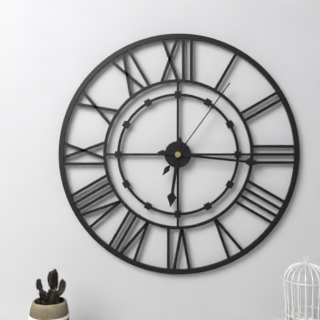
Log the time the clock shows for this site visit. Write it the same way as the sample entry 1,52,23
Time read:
6,16,06
